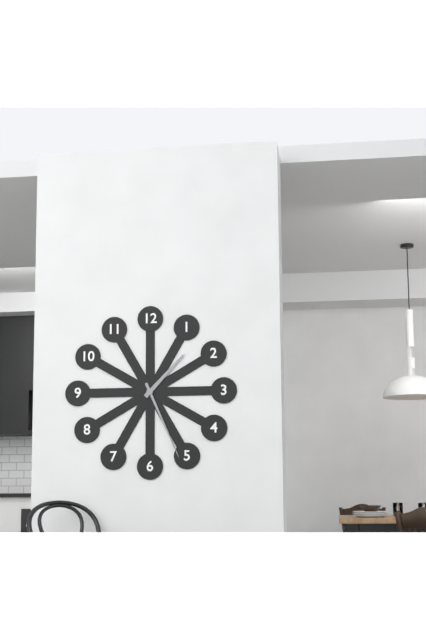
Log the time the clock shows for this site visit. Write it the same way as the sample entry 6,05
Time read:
1,26
